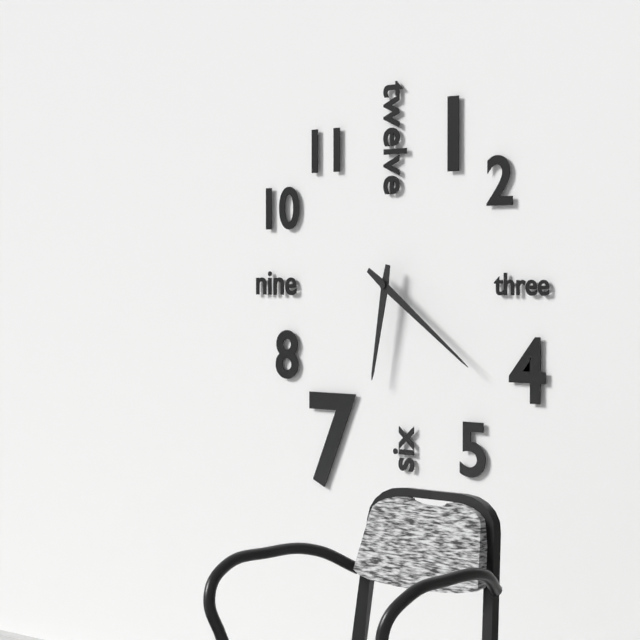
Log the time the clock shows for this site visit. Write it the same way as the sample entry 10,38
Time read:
6,21
